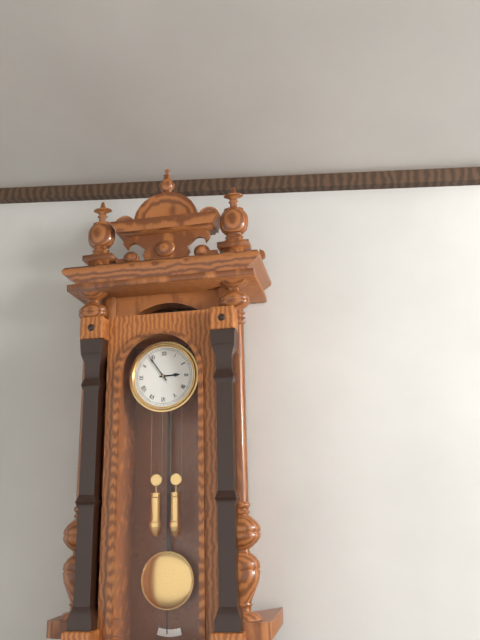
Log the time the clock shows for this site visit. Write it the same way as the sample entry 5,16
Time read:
2,54
